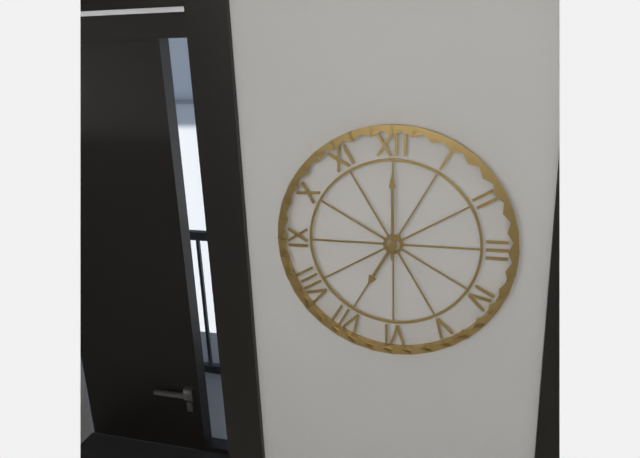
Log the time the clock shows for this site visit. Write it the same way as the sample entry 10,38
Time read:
7,00
